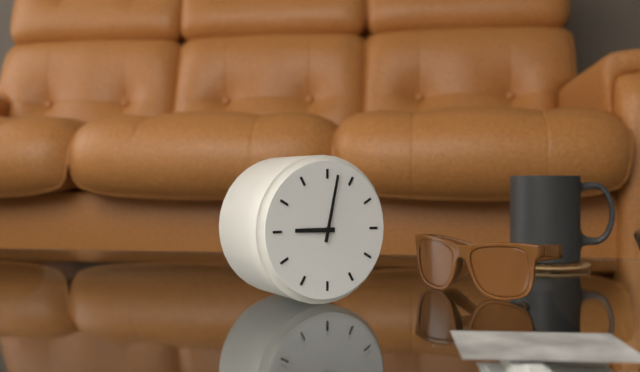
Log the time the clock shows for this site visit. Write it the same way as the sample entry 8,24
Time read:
9,02
